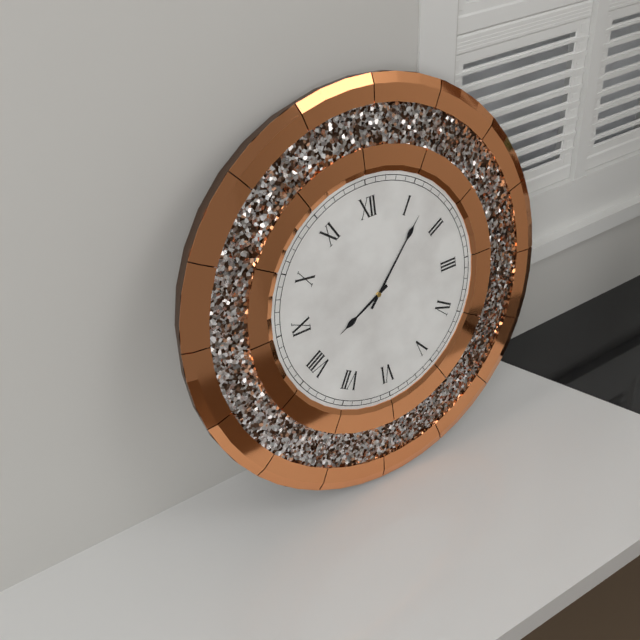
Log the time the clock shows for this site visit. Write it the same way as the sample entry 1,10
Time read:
8,07
